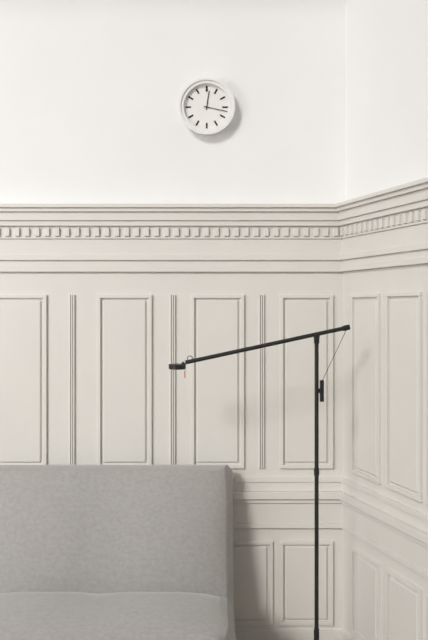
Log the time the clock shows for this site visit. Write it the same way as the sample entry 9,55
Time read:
12,17
